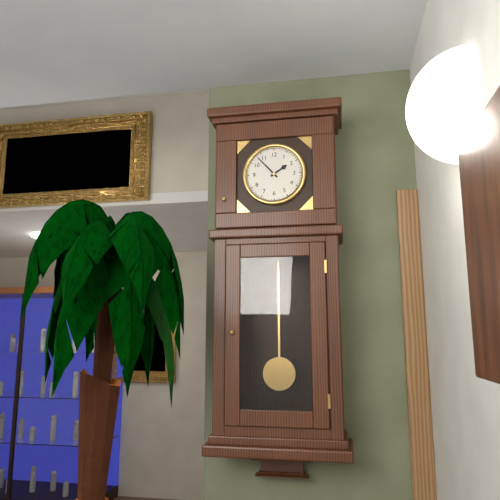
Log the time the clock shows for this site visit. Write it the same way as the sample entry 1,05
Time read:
1,53
